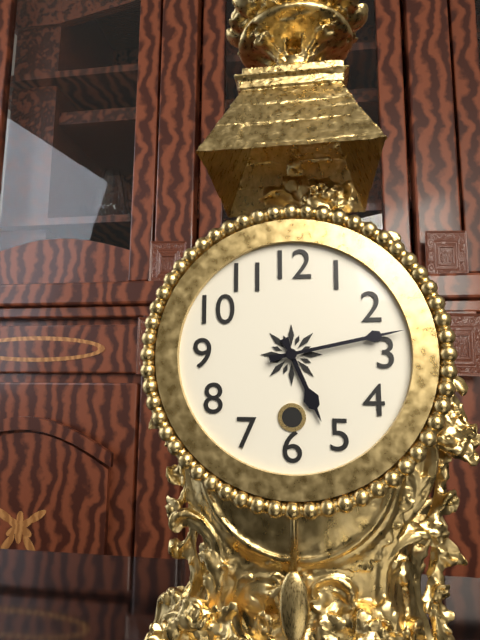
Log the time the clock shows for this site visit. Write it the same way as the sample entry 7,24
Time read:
5,13
